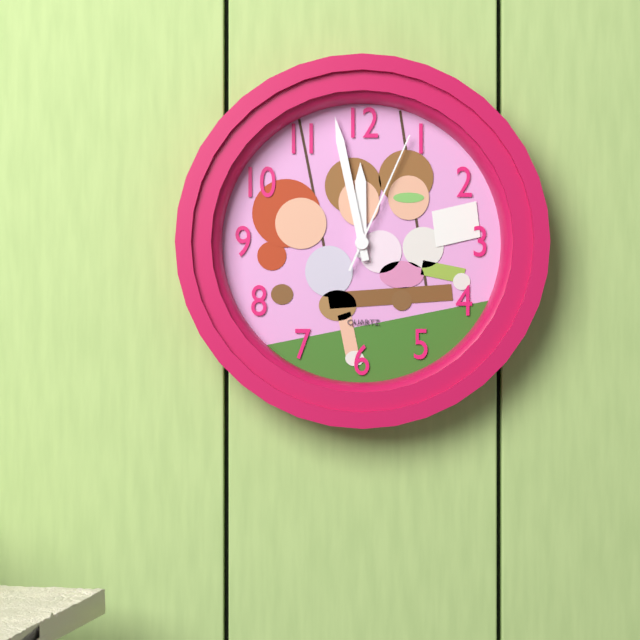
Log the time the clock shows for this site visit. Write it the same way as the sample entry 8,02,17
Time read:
11,58,04
